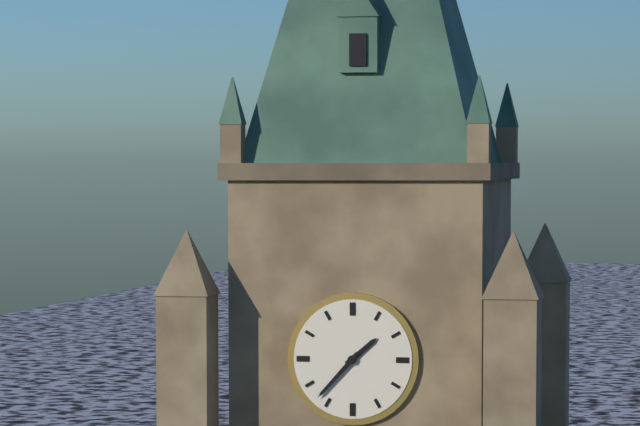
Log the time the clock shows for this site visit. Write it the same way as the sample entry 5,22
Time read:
1,37
